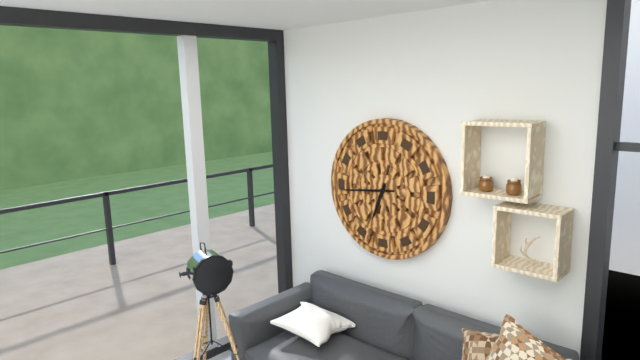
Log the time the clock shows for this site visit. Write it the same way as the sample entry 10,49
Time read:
6,44
